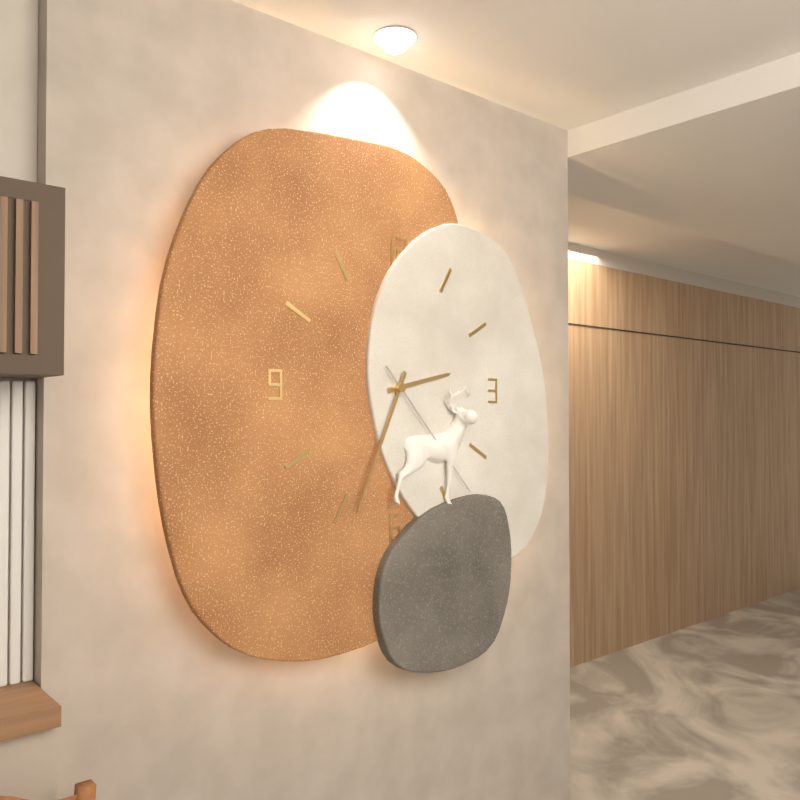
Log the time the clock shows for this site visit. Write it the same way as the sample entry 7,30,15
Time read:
2,34,23
